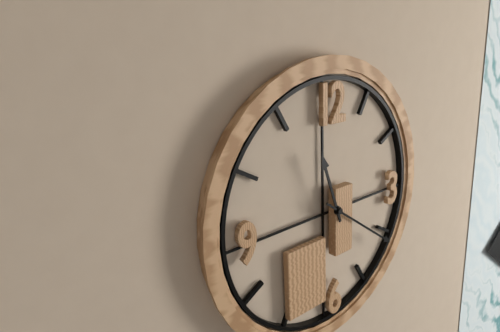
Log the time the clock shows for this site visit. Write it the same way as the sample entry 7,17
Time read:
11,21
